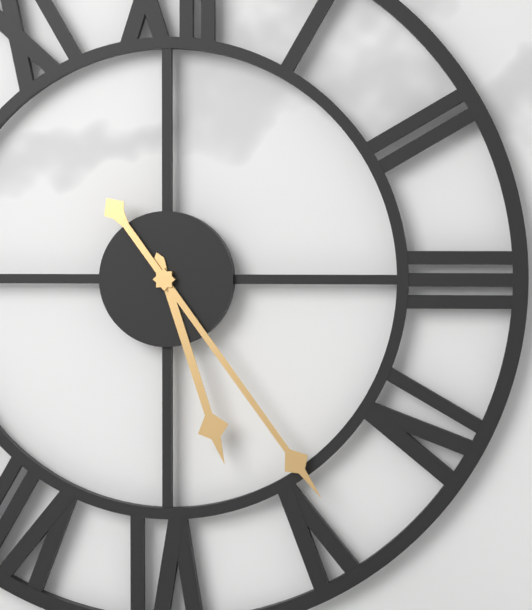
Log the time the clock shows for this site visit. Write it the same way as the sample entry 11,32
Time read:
5,24
